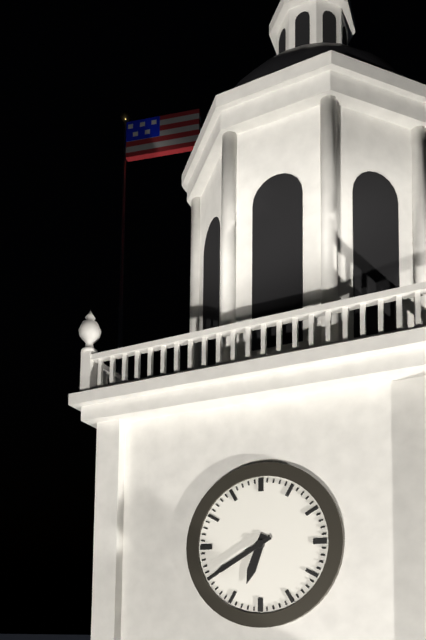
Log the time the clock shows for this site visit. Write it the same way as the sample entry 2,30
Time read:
6,40
